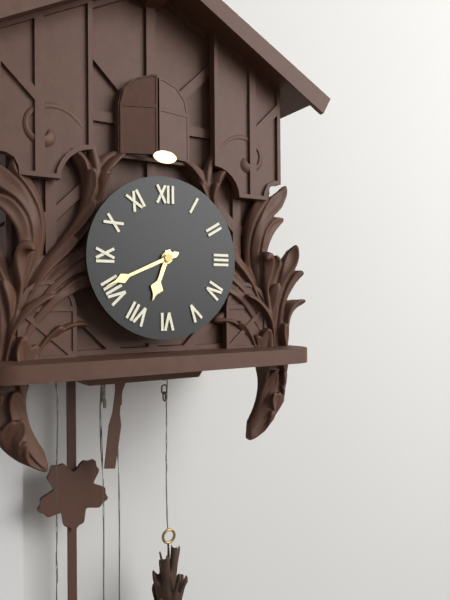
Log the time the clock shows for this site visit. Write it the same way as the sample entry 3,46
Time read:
6,41
